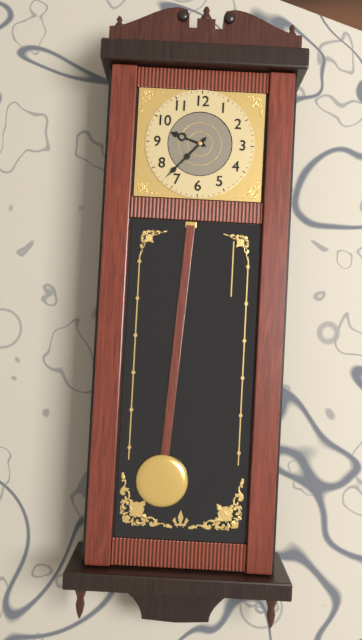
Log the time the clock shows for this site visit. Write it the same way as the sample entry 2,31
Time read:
9,37
